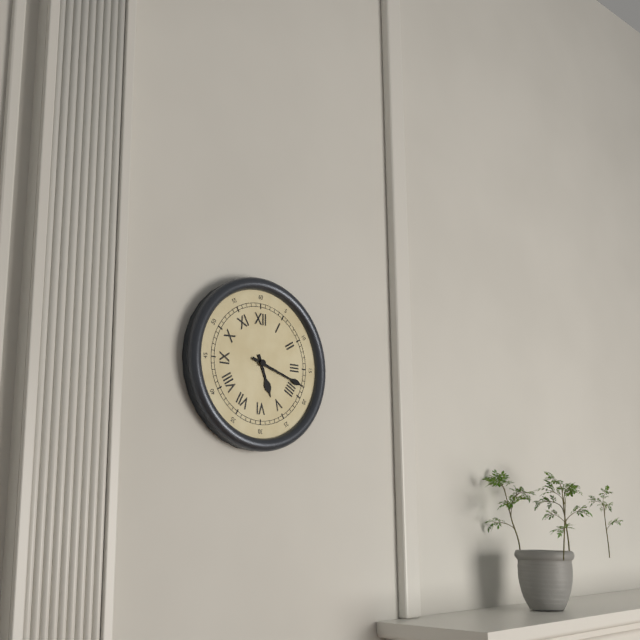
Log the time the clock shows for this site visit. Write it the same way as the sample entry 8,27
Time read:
5,18
